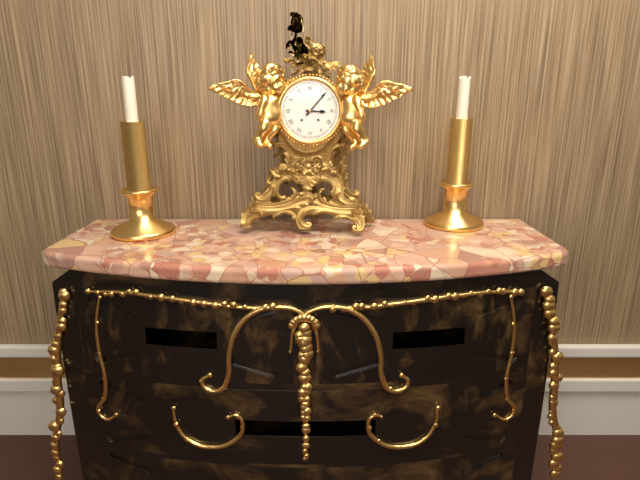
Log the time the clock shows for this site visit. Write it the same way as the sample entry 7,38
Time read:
3,07
